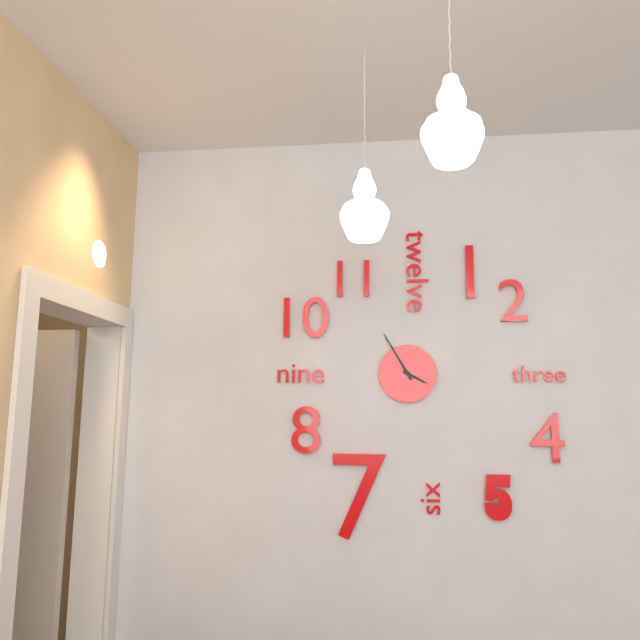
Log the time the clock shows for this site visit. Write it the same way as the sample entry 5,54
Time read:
3,55
